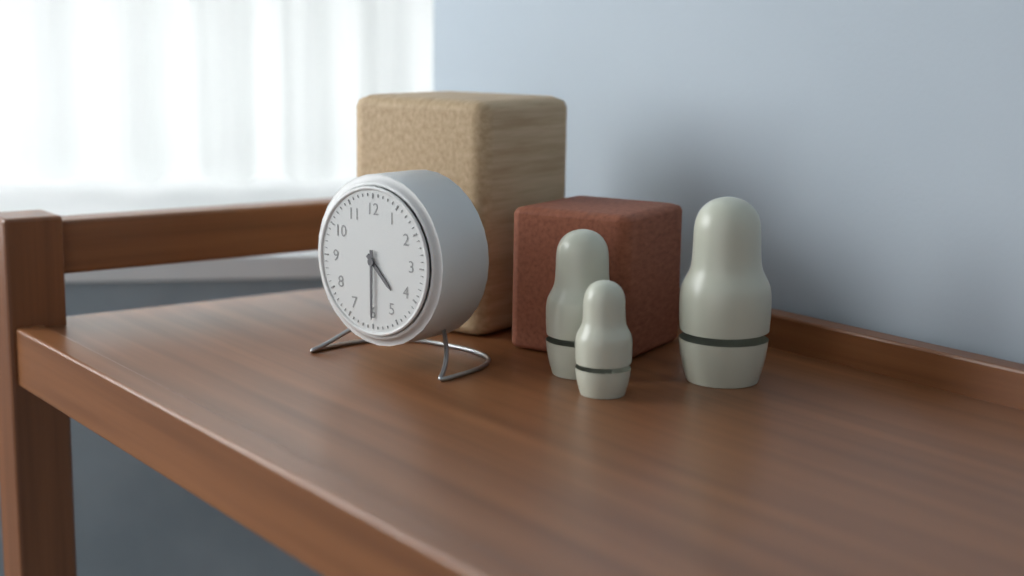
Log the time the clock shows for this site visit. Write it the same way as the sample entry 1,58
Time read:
4,30
